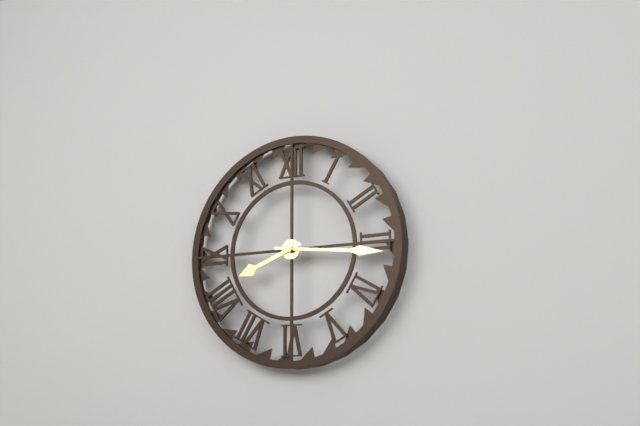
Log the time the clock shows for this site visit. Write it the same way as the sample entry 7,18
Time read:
8,16
